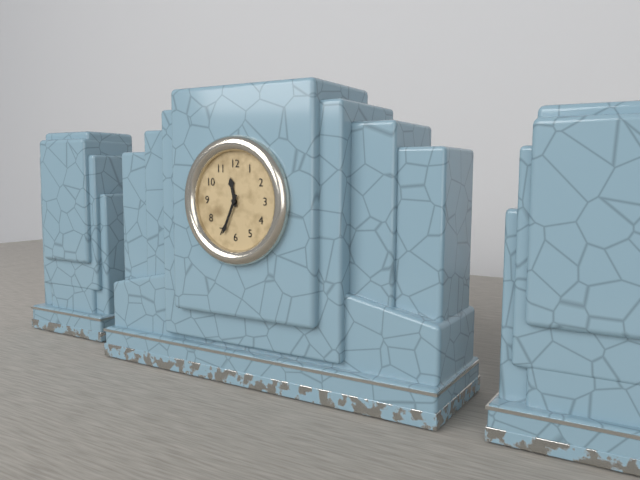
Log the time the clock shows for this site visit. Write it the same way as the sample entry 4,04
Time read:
11,34
